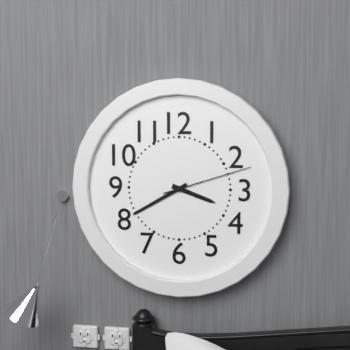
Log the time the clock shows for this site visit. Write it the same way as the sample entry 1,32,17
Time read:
3,40,12
